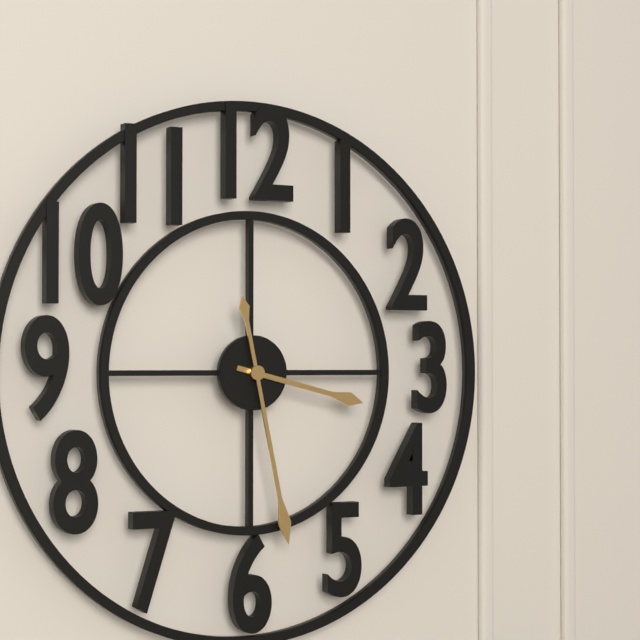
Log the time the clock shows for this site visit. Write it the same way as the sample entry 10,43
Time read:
3,28
